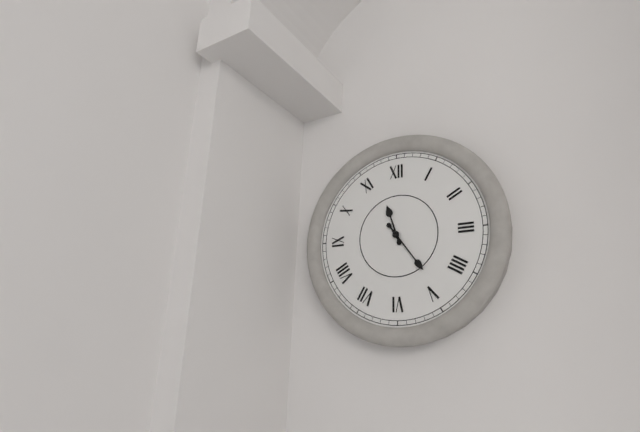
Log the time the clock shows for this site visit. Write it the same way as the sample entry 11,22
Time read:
11,24
